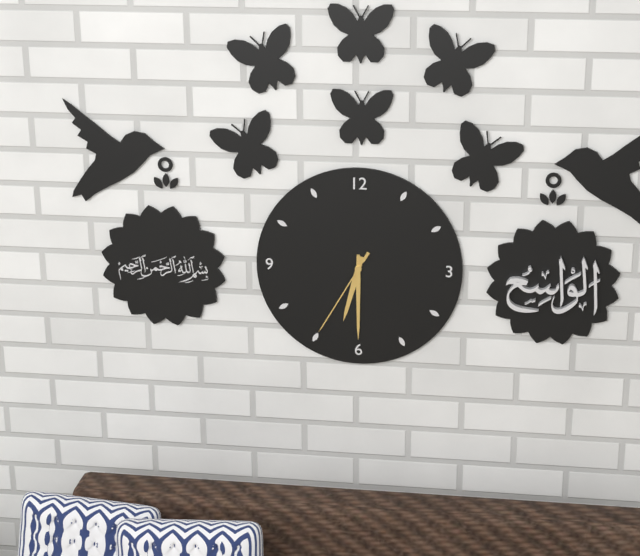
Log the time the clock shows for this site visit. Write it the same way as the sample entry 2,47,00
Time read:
6,30,35
